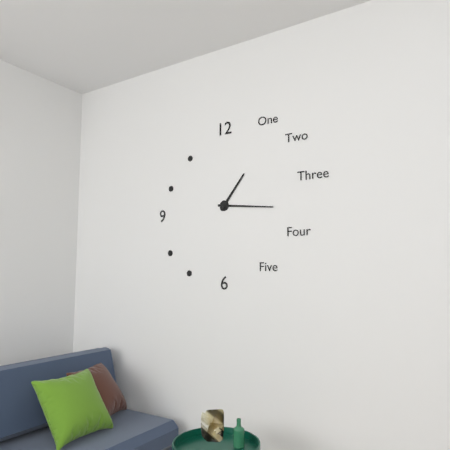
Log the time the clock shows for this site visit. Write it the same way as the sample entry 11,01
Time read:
1,16
